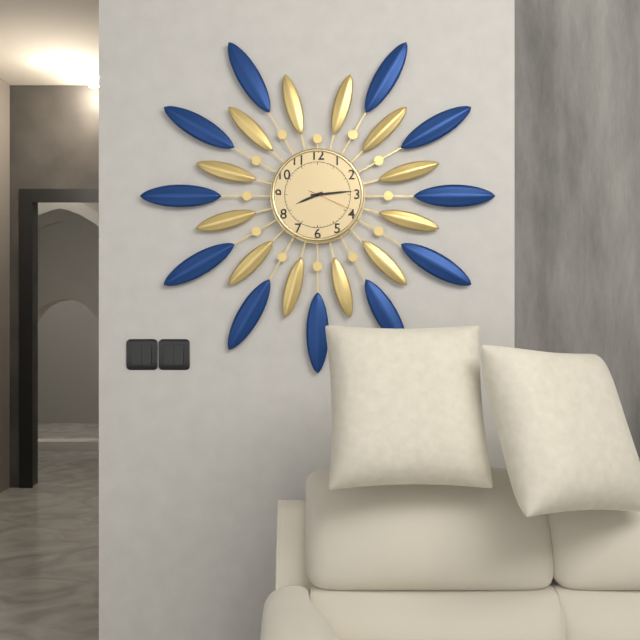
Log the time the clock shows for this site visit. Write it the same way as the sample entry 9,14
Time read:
8,14
